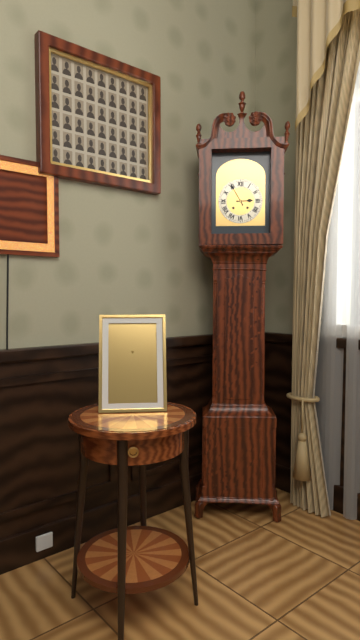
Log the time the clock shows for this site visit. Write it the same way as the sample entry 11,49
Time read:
2,55
